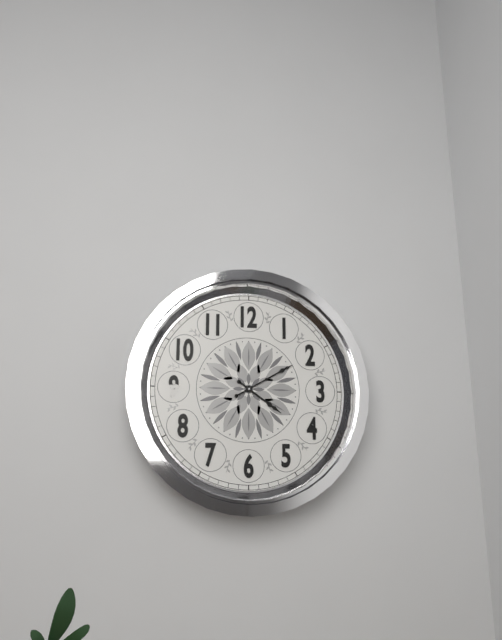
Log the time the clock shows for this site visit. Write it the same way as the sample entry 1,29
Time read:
4,10
